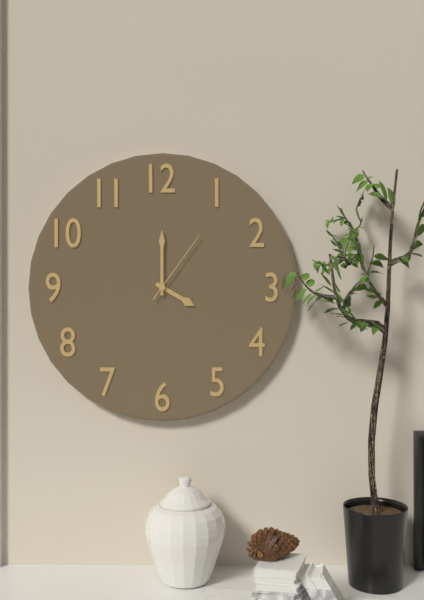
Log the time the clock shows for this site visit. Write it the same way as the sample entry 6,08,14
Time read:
4,00,06
